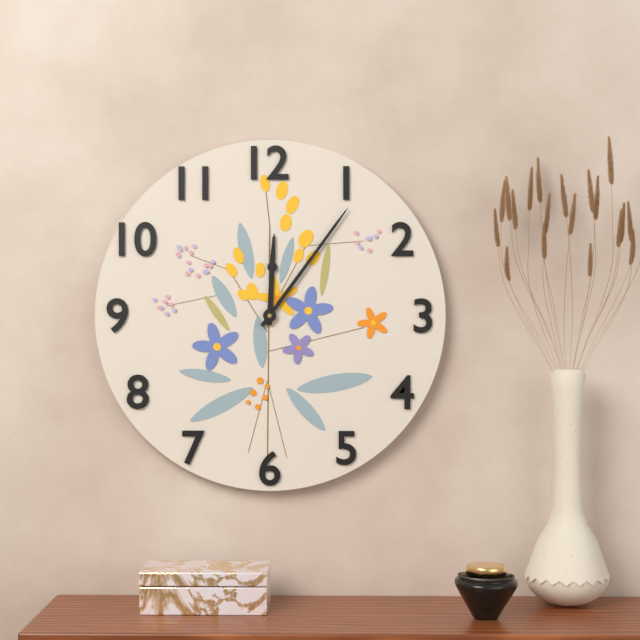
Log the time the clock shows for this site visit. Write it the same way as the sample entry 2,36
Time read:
12,06
